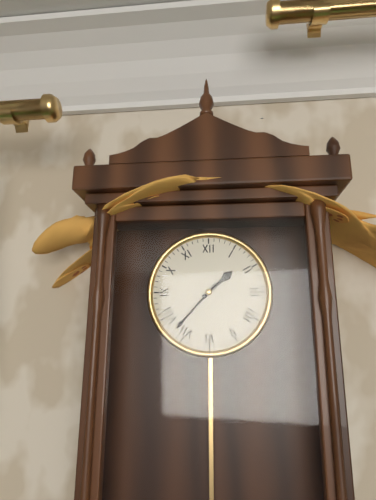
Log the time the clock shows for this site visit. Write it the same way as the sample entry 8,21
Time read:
1,37
